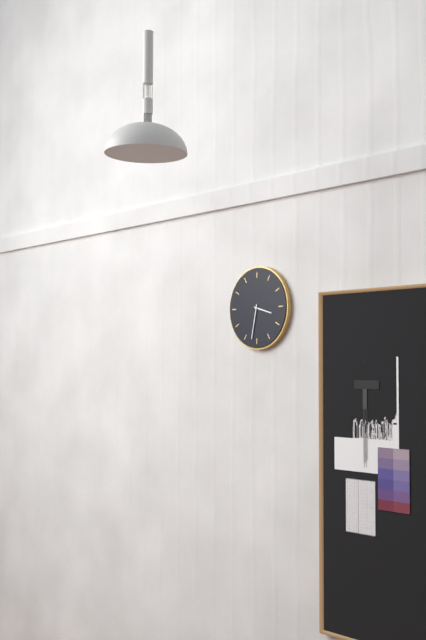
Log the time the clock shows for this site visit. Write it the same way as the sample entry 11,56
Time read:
3,32
